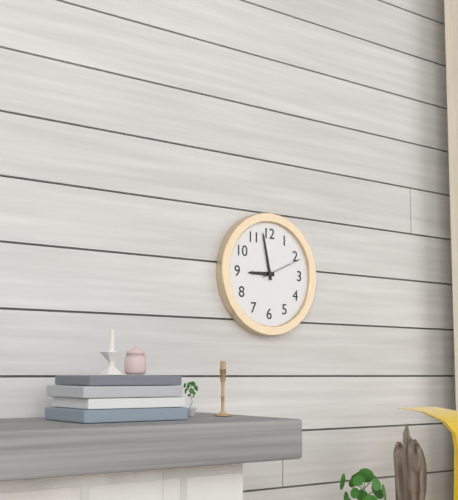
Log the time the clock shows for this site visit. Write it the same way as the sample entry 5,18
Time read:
8,58
